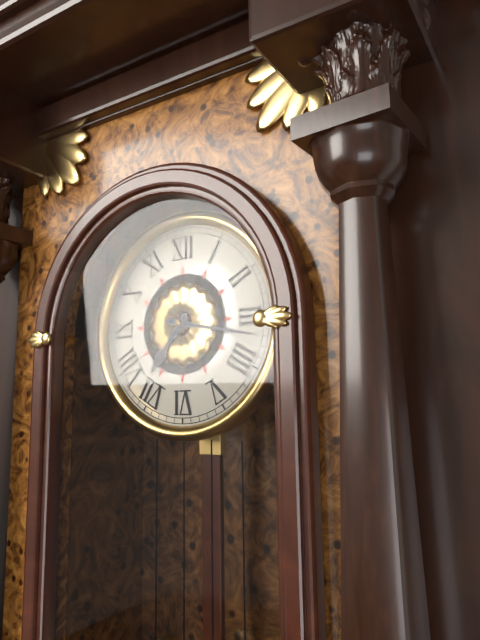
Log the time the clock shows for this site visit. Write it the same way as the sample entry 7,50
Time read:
7,17
